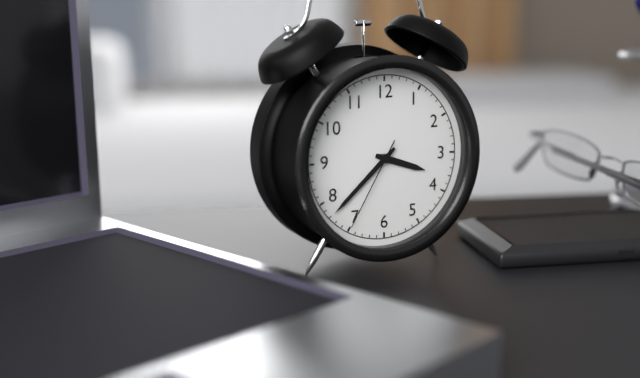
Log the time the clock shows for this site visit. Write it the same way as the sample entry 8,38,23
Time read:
3,38,35
